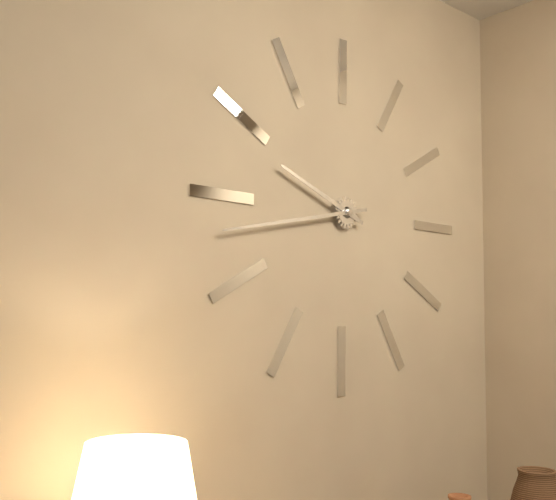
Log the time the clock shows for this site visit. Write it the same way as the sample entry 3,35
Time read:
9,43
